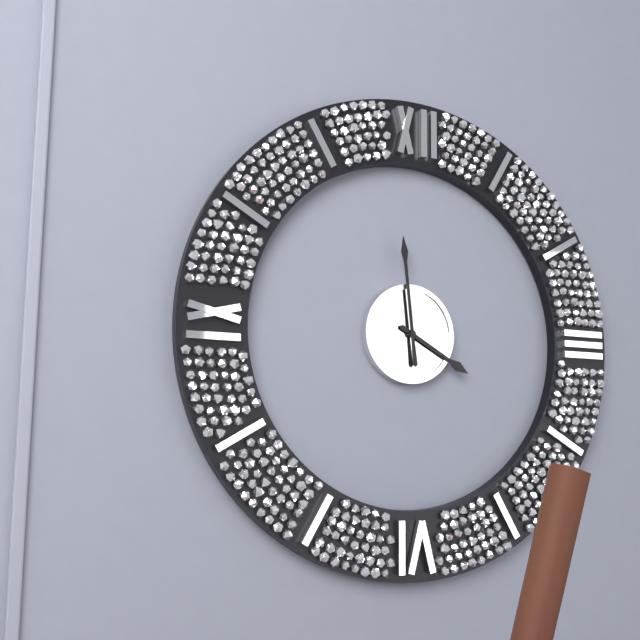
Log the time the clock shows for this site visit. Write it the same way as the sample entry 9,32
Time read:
3,59
